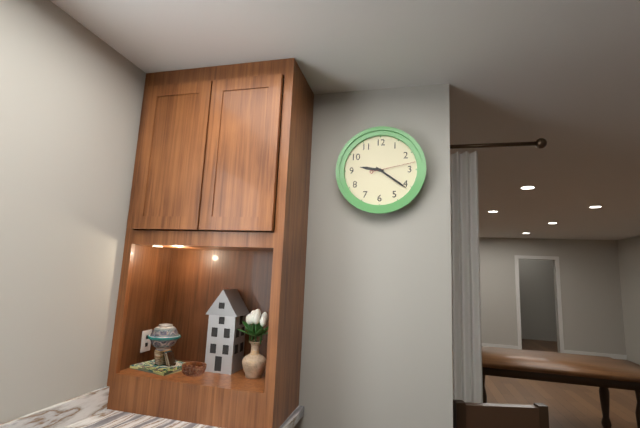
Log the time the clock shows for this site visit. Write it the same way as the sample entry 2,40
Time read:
9,21
